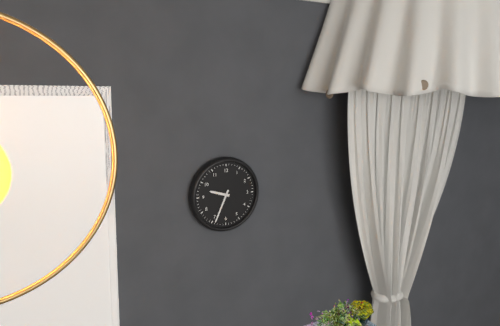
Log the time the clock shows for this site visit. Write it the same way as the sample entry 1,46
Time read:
9,34
